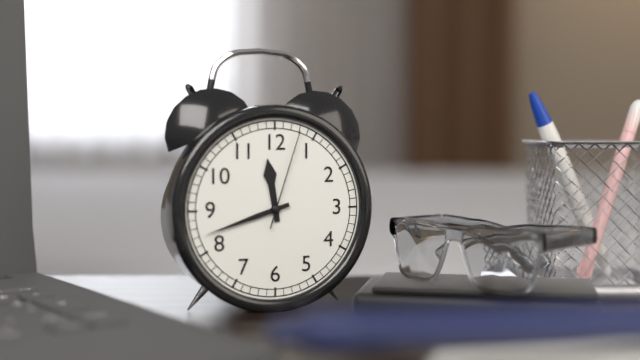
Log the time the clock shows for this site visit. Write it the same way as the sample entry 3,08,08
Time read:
11,42,03
